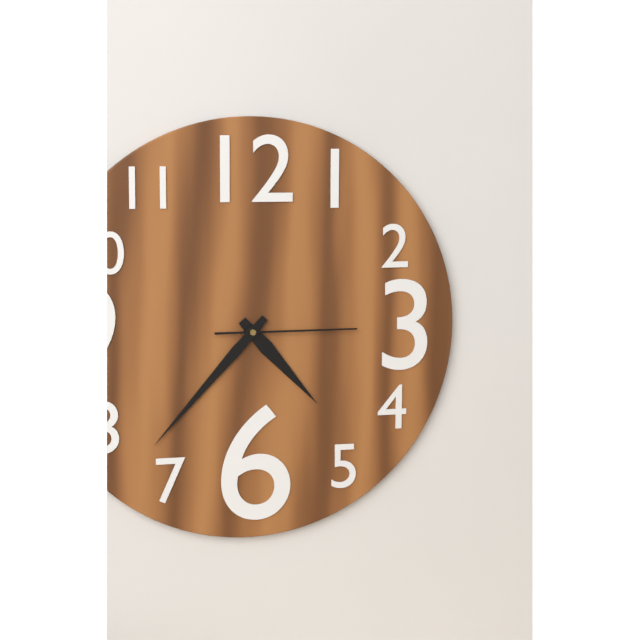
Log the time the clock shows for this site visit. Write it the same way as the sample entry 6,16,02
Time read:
4,37,15
